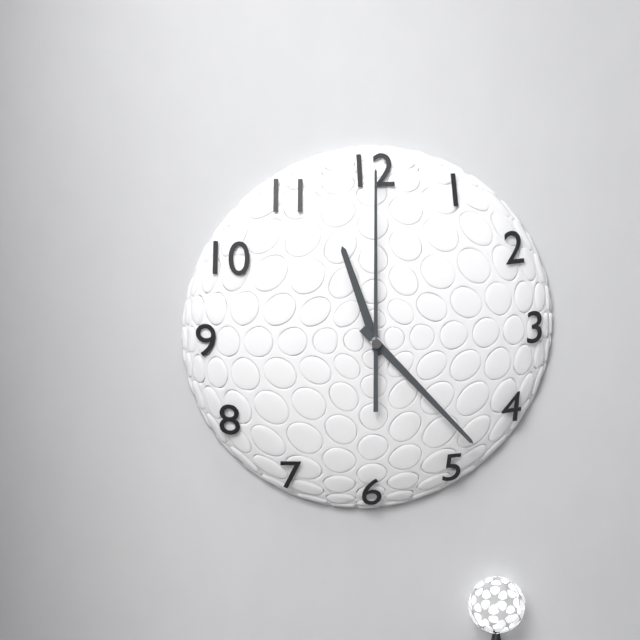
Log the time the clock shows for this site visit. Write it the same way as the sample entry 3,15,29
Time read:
11,23,00
